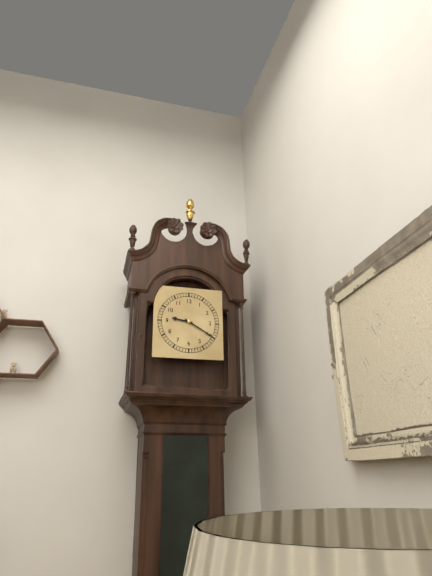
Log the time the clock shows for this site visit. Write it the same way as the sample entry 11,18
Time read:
9,20
